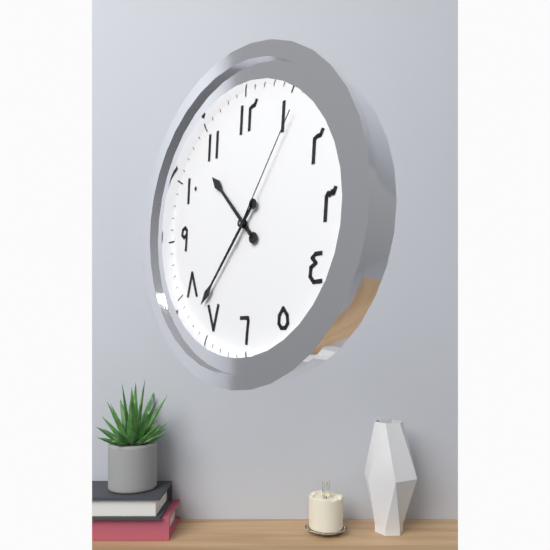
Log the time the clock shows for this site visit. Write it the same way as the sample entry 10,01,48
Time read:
10,37,06
